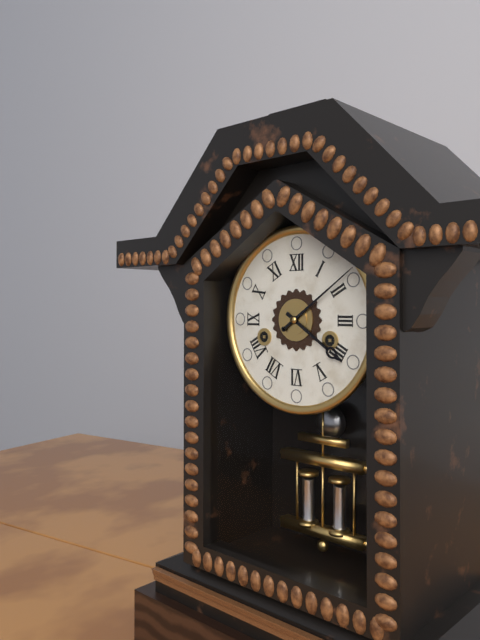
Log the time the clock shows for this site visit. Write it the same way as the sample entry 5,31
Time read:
4,09
